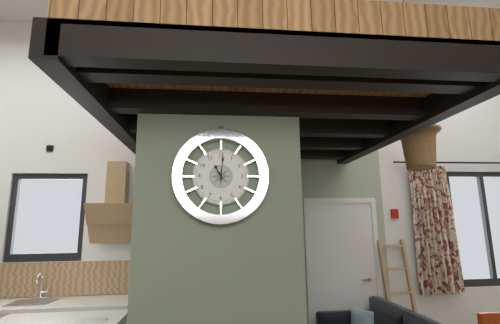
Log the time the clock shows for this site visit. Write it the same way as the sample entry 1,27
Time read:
11,01
